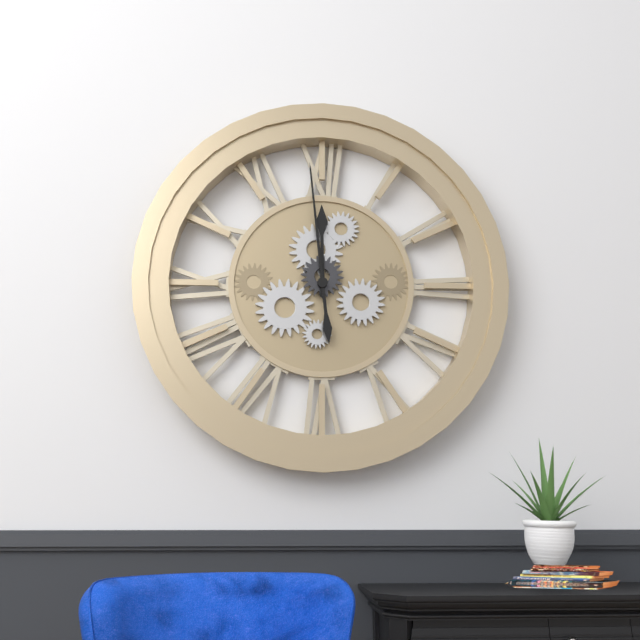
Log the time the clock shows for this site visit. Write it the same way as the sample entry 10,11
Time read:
11,59
